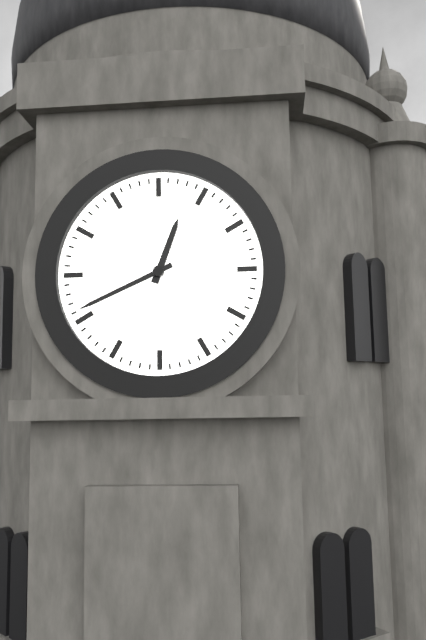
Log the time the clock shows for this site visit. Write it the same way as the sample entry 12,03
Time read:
12,41
